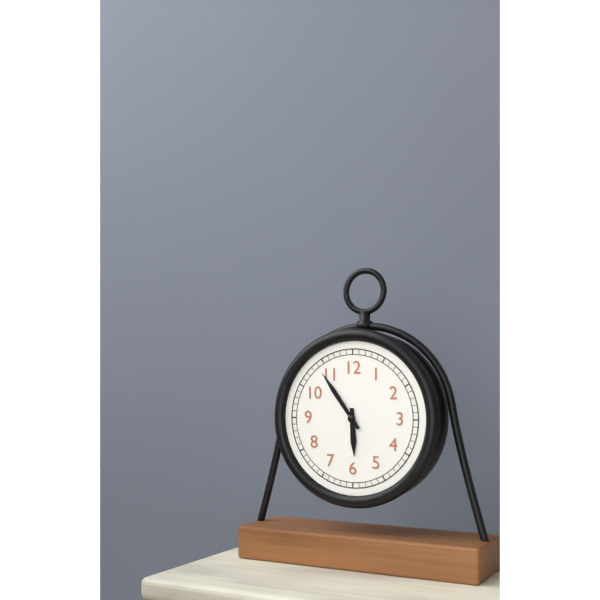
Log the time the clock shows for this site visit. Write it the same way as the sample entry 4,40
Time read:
5,54
